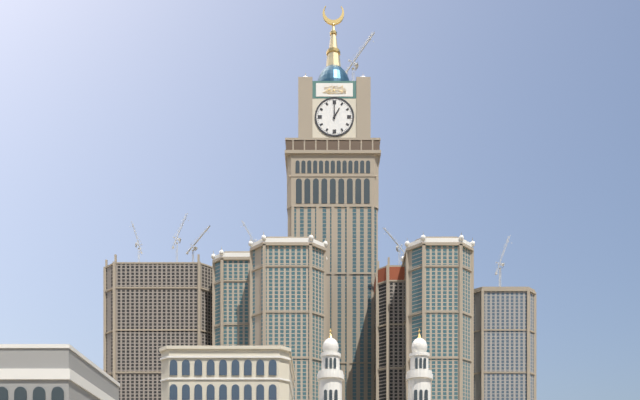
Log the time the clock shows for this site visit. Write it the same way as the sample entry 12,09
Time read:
1,00
